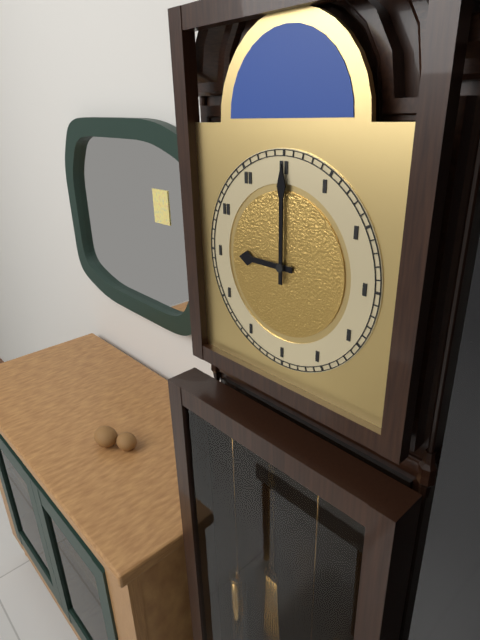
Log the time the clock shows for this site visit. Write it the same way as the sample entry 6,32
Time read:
9,00
